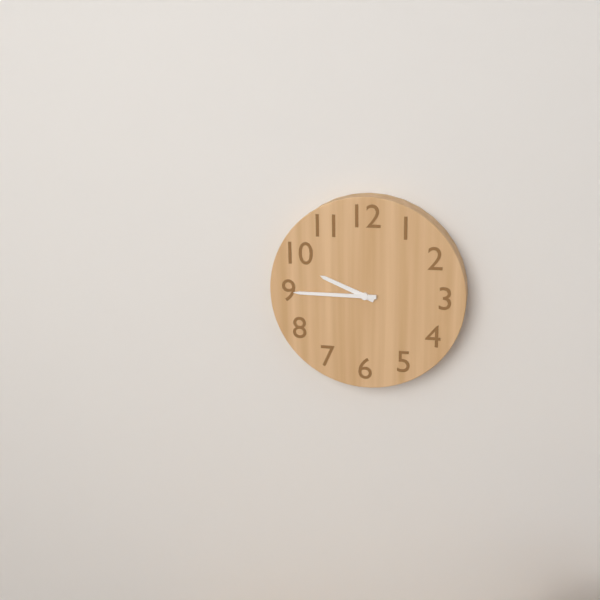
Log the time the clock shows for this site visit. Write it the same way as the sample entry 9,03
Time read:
9,45
